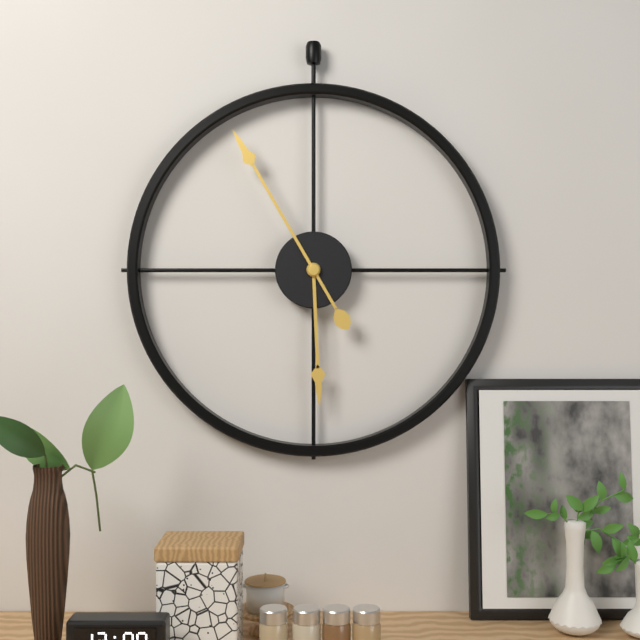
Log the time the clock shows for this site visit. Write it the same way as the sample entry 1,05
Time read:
5,55
